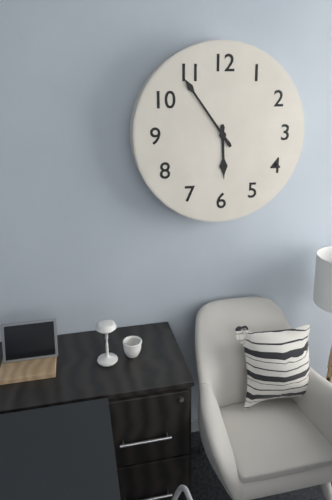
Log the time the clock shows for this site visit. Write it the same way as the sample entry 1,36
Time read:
5,54
